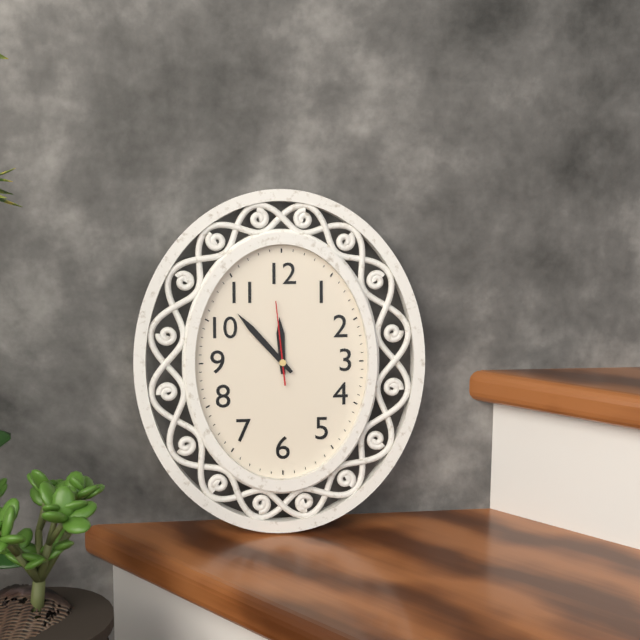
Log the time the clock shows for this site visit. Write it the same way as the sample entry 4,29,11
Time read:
11,53,59
